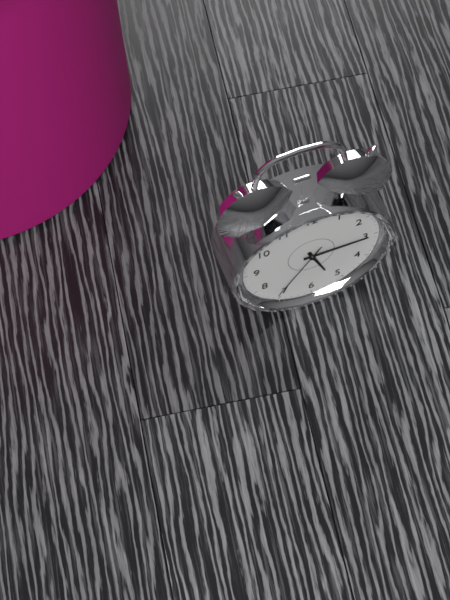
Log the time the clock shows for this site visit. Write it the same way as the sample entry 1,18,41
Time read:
5,15,36
